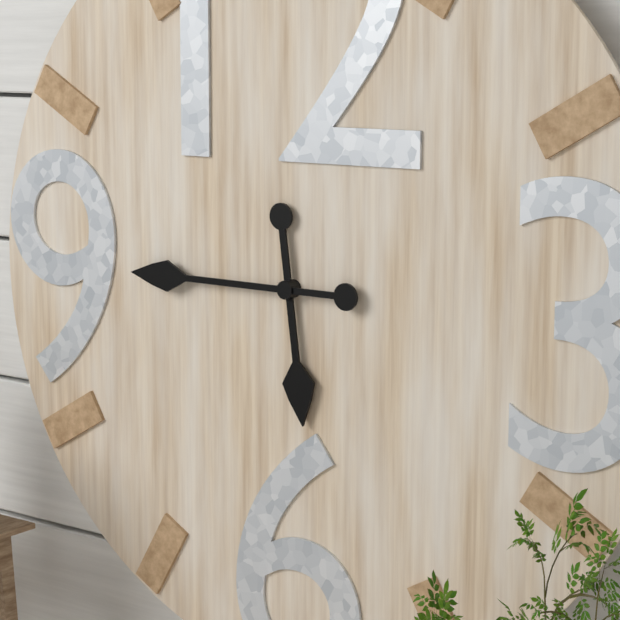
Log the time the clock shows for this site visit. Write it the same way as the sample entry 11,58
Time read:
5,45
